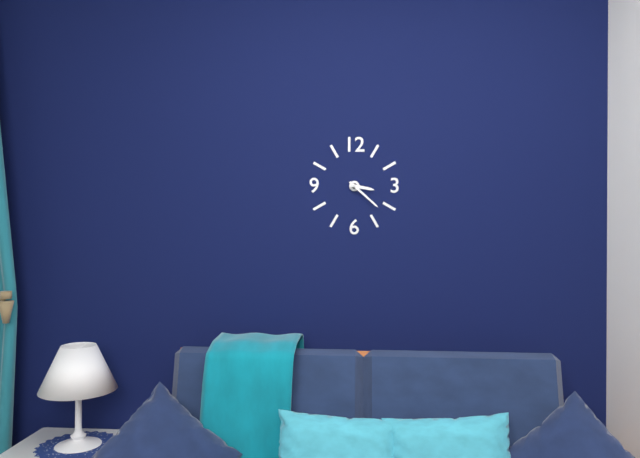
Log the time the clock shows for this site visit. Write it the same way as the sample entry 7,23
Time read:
3,22
